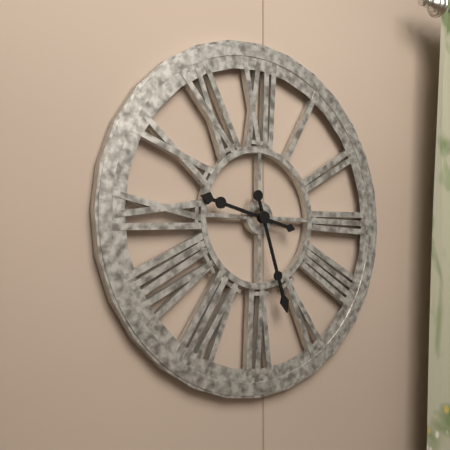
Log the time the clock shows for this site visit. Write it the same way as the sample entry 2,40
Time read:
9,27
